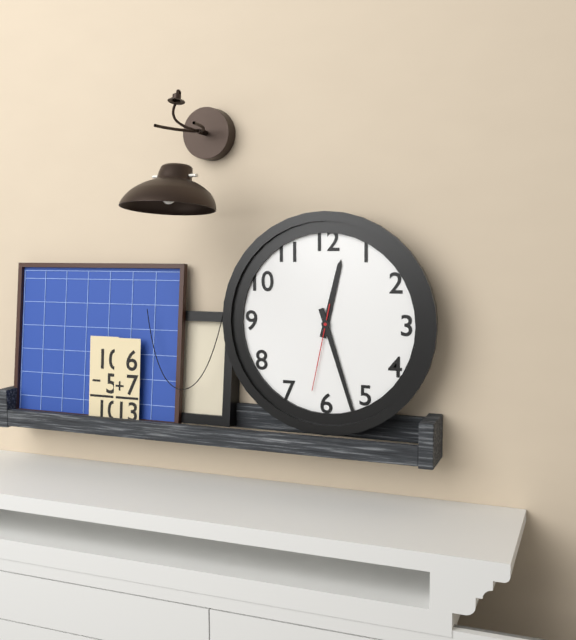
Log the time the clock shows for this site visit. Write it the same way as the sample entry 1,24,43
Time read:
12,27,32
